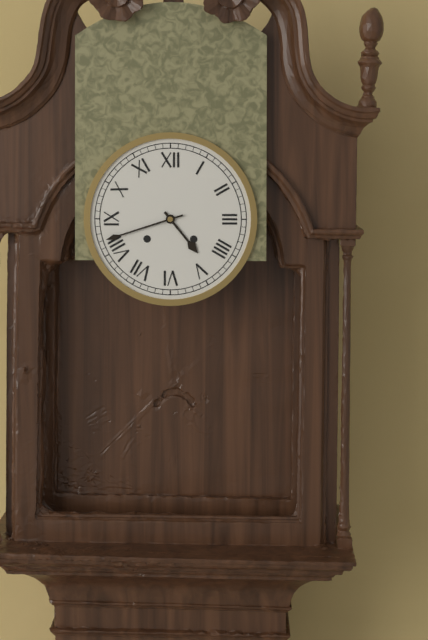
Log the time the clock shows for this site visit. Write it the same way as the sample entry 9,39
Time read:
4,42
